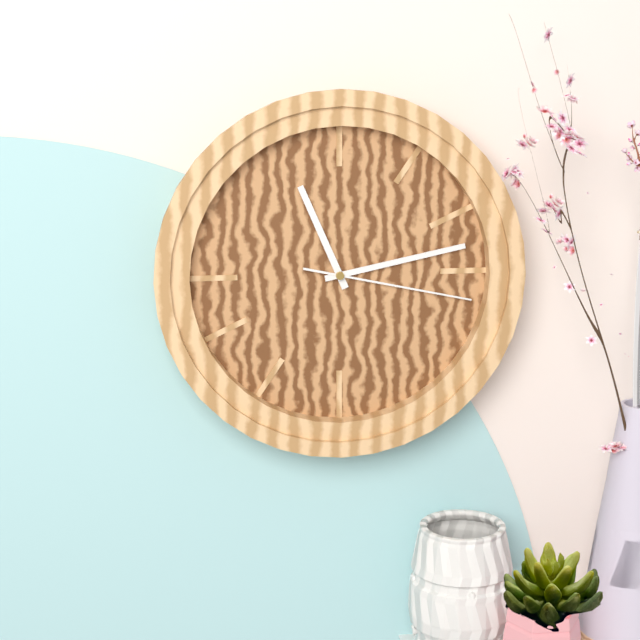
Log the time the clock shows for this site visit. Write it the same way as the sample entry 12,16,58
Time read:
11,13,17
